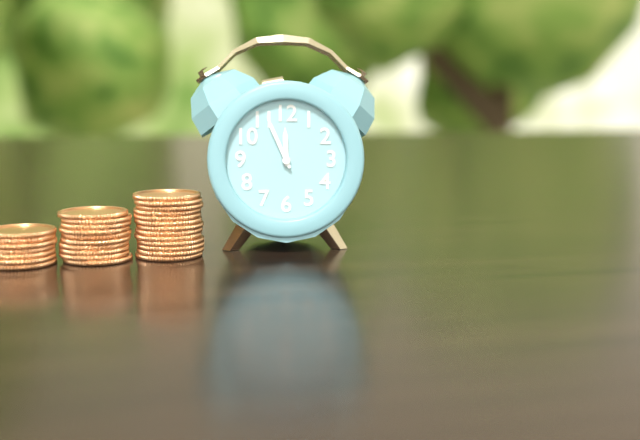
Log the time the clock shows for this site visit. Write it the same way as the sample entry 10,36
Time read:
11,56
